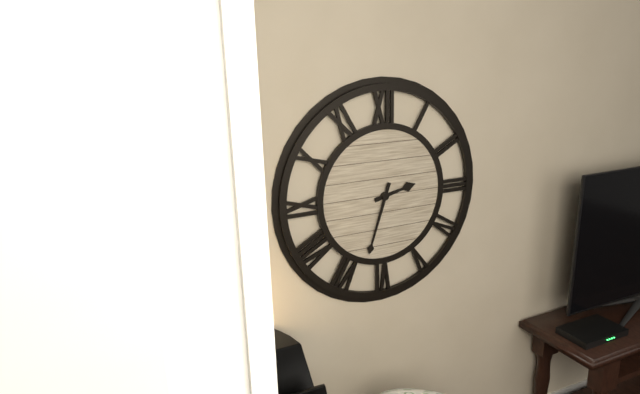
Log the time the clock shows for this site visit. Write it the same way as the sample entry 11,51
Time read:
2,33
